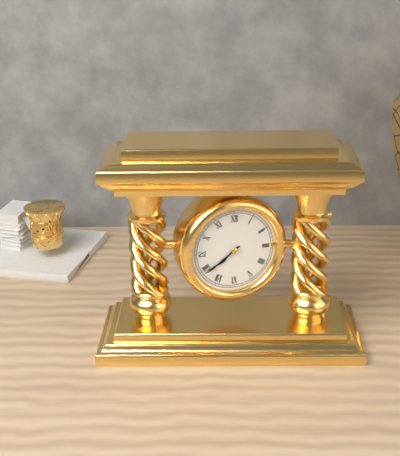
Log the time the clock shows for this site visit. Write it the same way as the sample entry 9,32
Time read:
7,39
